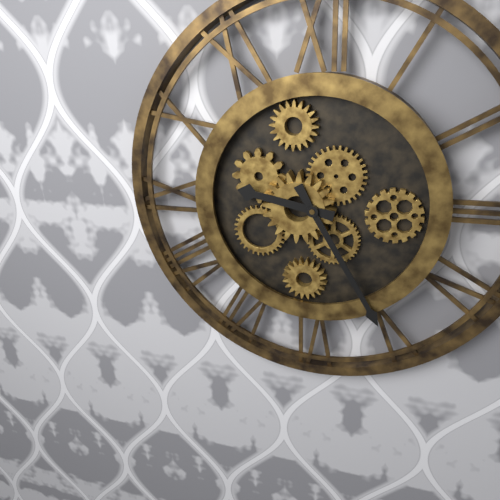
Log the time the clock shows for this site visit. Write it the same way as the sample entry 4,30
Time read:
9,25
